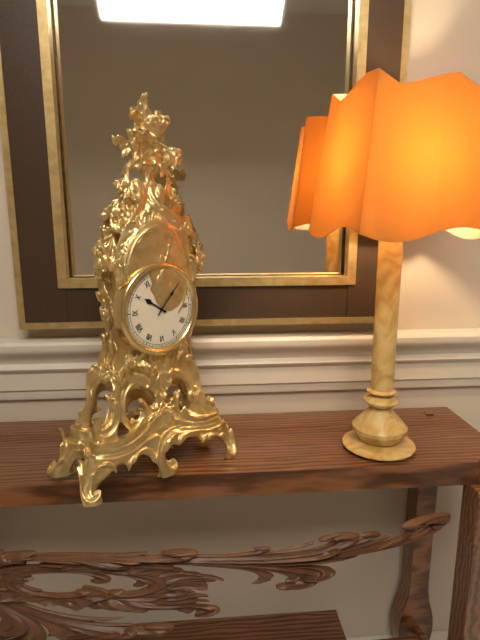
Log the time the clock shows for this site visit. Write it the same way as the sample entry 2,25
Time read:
10,07
